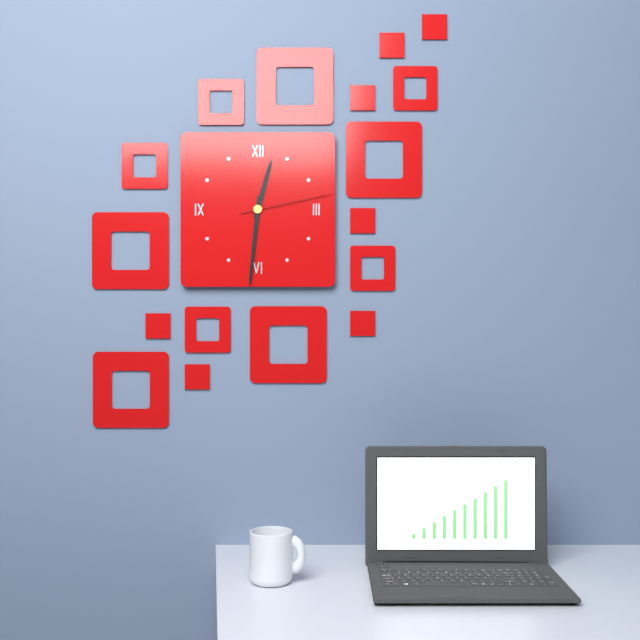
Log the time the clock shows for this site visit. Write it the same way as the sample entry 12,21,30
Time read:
12,31,13
